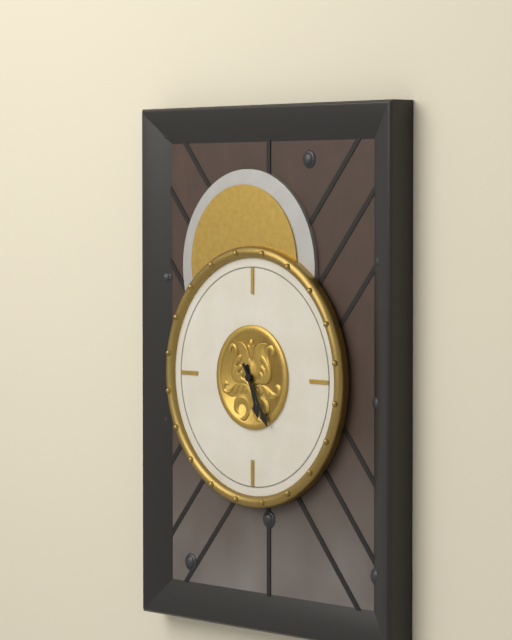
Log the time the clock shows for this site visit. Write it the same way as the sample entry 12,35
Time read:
5,25
